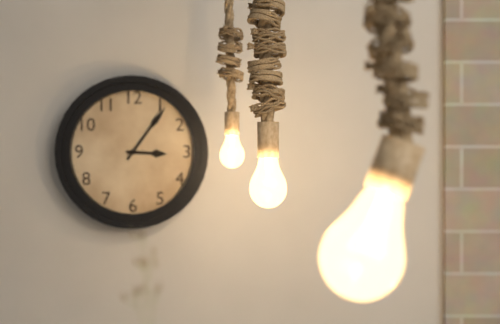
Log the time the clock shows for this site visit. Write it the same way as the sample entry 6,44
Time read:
3,06
